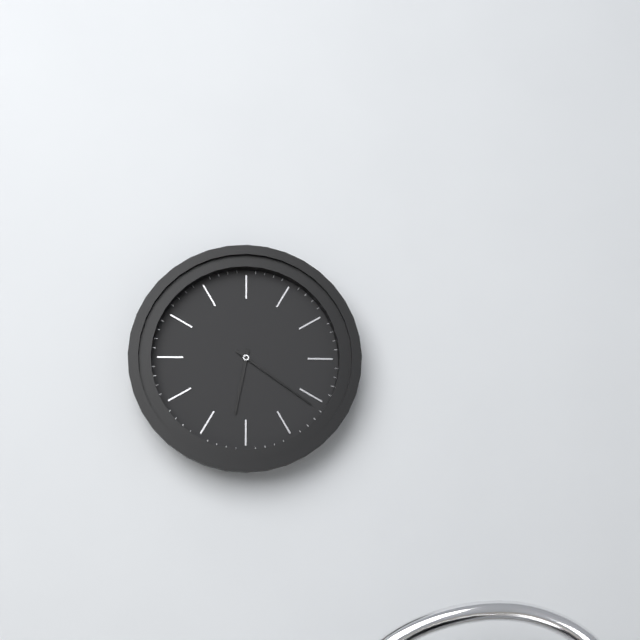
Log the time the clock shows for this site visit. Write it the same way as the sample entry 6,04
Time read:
6,21
